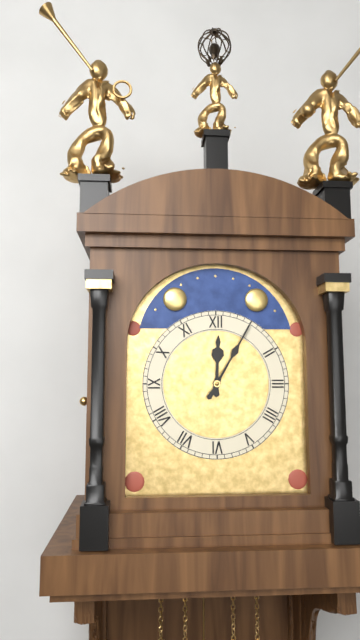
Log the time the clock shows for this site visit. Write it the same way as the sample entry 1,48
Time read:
12,05
